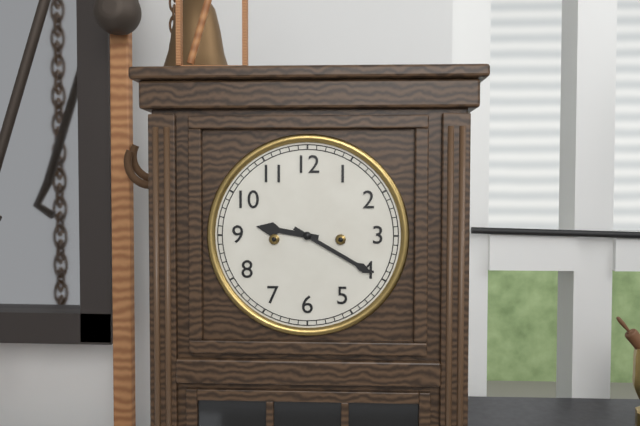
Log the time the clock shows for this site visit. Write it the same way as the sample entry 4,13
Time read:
9,20
